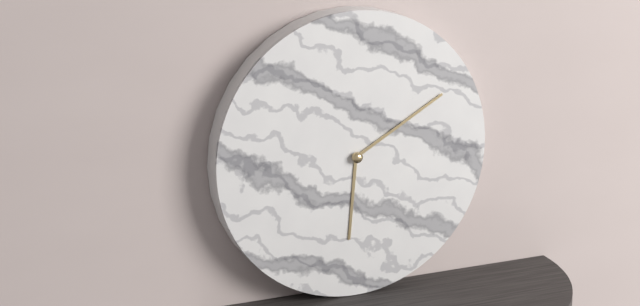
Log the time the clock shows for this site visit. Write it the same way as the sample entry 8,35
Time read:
6,10
